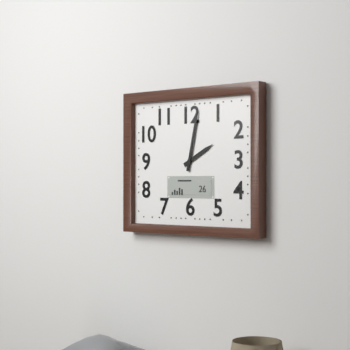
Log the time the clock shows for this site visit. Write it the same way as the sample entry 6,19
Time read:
2,02
